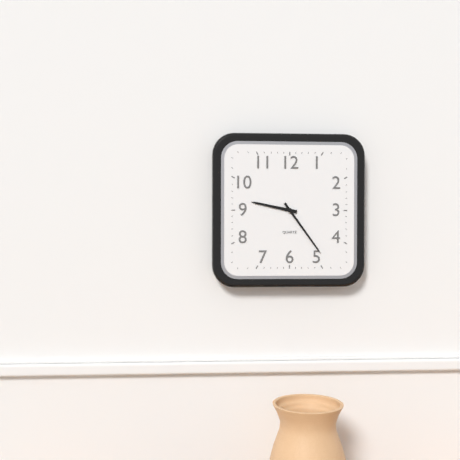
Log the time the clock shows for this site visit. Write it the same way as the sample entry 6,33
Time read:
9,24
